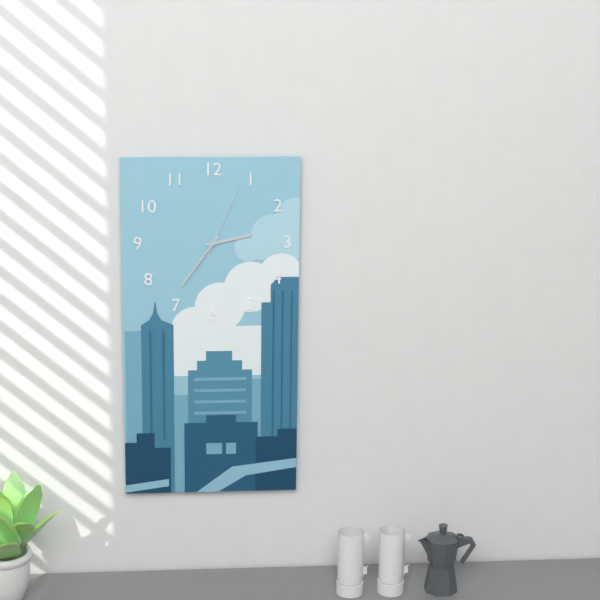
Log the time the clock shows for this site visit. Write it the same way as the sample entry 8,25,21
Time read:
2,36,04
